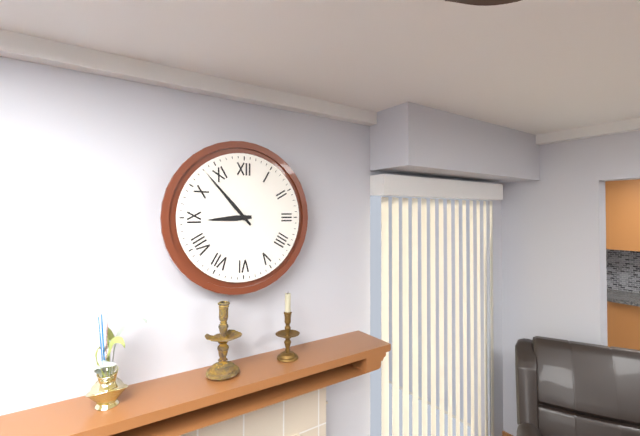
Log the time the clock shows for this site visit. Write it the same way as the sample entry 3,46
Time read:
8,53
